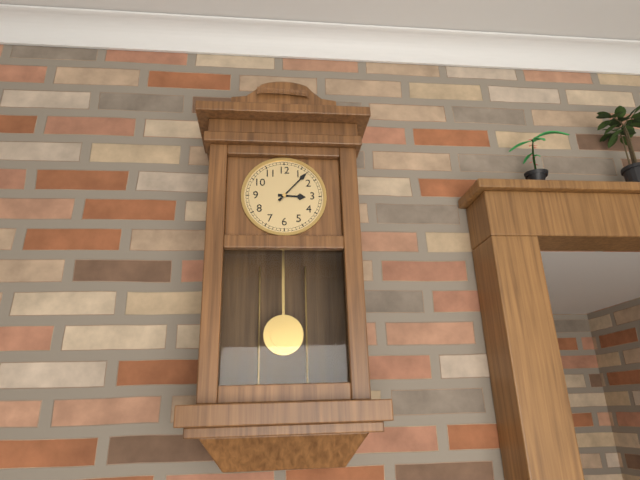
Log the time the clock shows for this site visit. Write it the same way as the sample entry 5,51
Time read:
3,07
